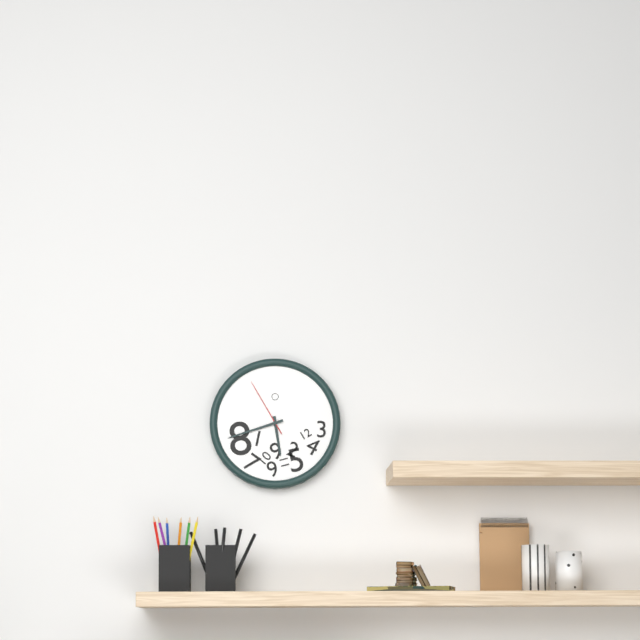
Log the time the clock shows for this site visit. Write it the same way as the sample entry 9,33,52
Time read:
5,42,55
